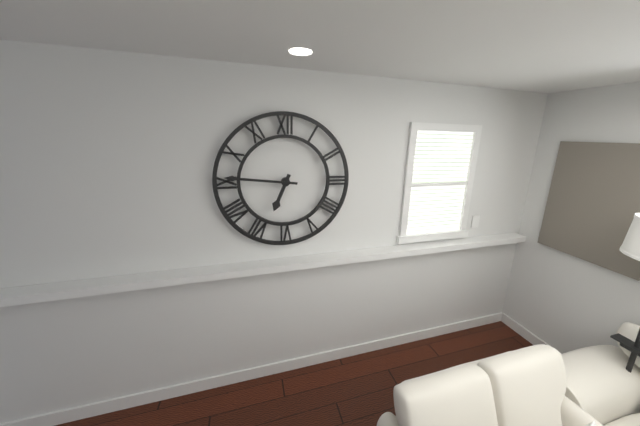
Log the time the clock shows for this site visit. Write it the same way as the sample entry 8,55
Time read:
6,46
